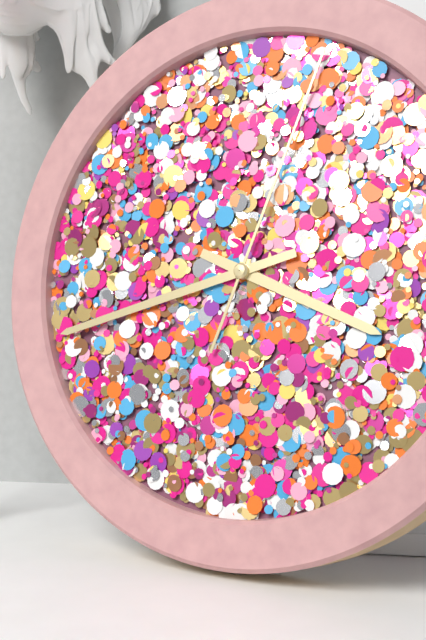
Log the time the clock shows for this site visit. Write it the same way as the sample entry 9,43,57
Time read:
3,42,03
